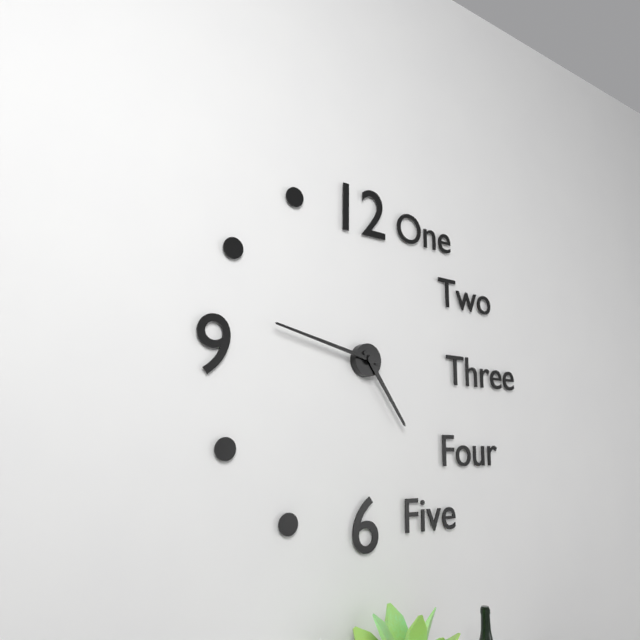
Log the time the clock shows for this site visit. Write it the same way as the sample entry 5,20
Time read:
4,47
